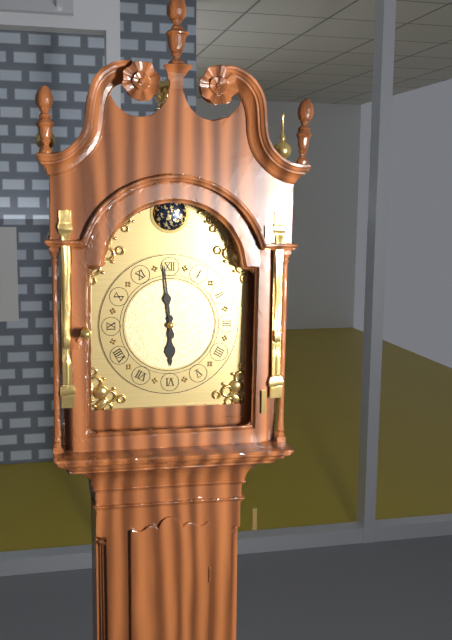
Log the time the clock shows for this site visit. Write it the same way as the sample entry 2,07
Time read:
5,59
